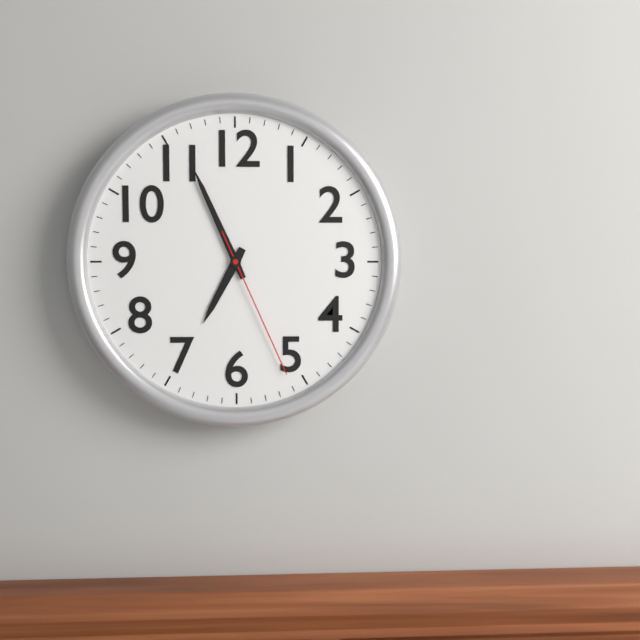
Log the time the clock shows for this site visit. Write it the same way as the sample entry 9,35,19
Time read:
6,56,26
